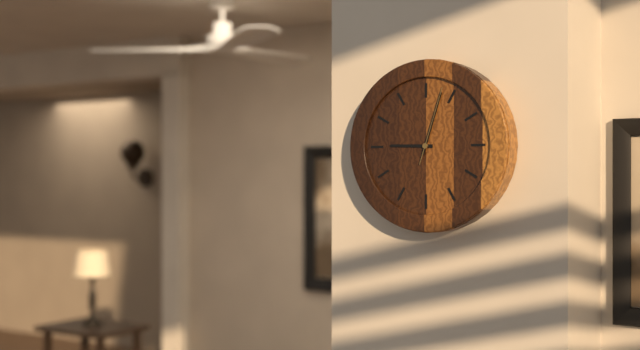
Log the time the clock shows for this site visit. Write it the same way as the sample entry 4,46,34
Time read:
9,03,03
